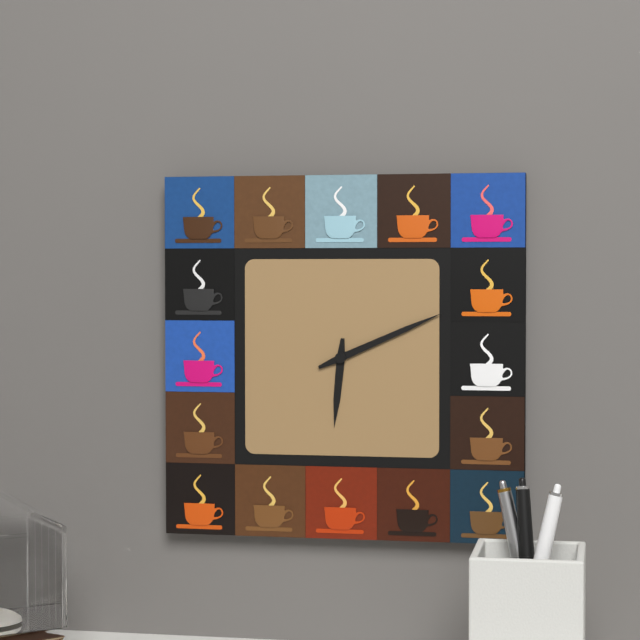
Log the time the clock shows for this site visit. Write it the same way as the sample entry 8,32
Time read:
6,11
